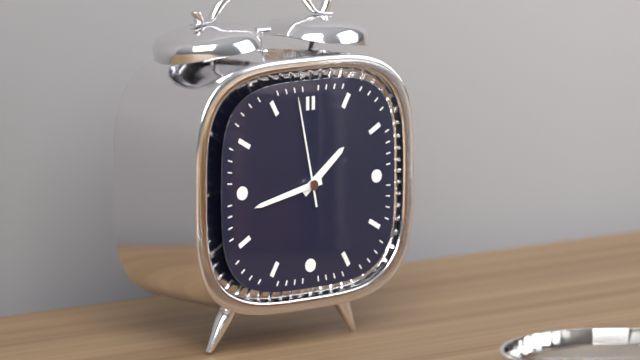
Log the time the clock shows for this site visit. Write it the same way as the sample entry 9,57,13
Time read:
1,43,58
